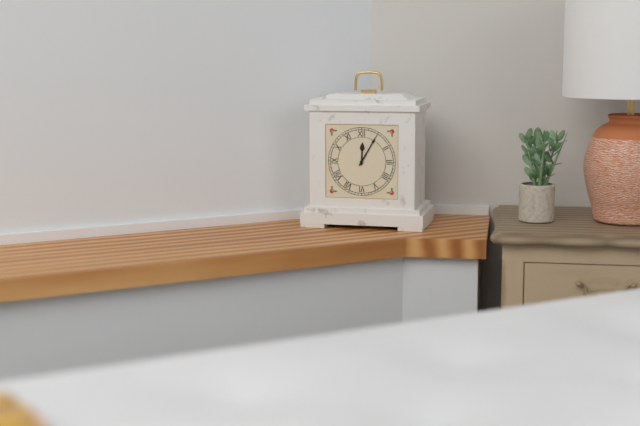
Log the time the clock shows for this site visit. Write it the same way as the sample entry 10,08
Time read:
12,05
